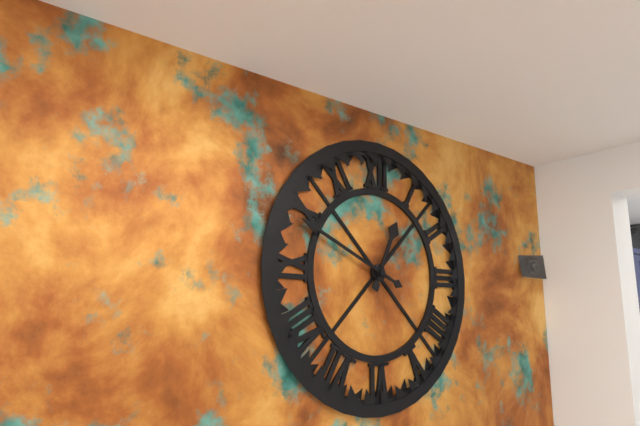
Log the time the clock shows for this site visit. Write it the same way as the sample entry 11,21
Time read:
12,49
